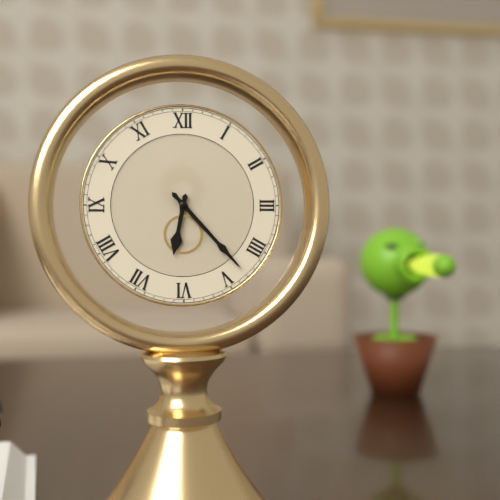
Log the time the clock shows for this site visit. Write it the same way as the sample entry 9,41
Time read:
6,23
